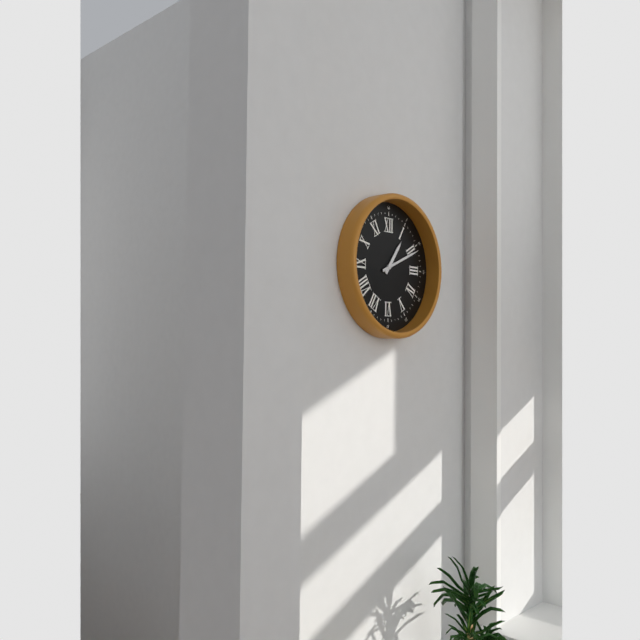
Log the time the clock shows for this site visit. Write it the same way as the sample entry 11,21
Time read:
1,11
